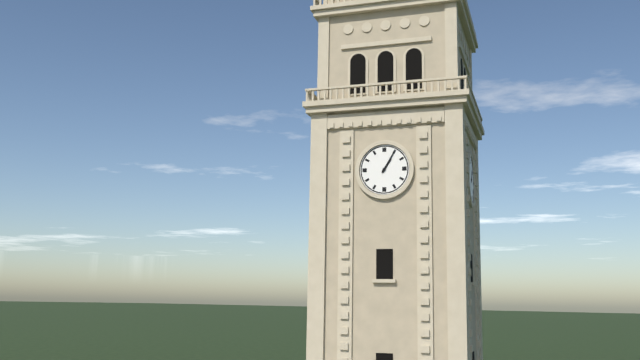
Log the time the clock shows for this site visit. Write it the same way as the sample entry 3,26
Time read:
1,05
